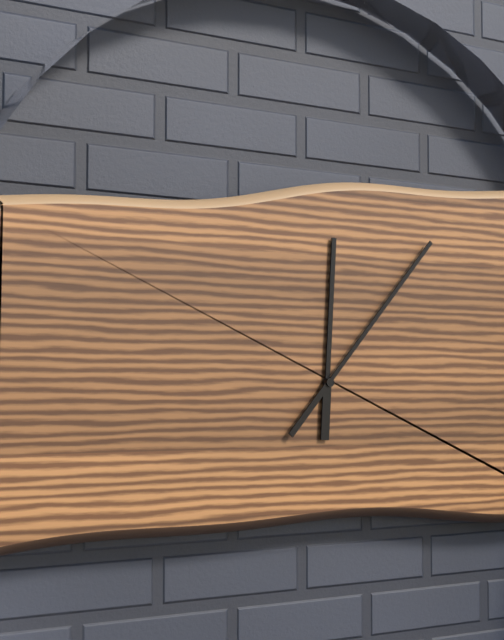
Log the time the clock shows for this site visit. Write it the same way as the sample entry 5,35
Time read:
12,07
